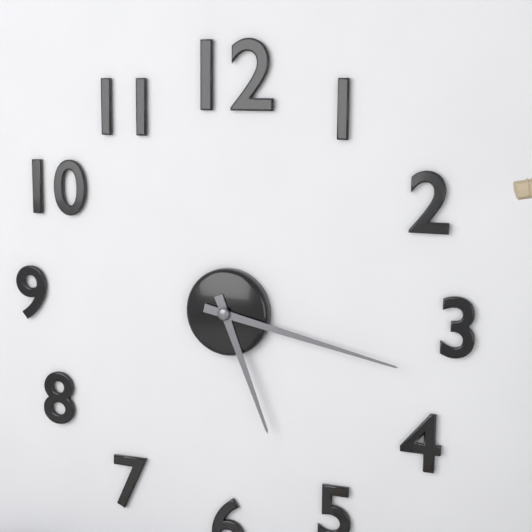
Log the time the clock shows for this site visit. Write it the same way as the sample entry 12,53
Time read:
5,17
